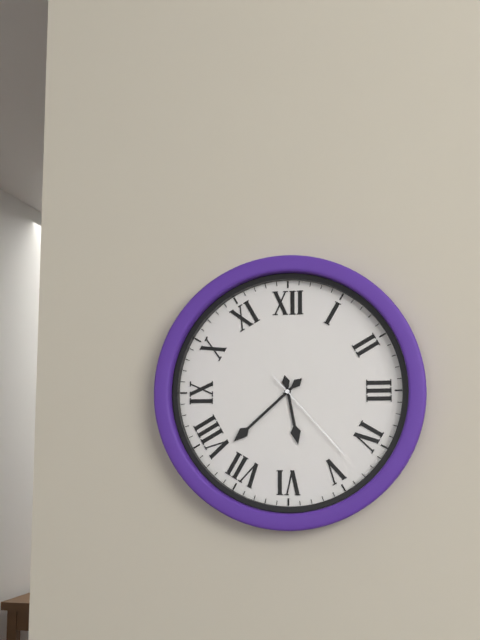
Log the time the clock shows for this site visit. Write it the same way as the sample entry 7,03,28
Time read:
5,38,23
